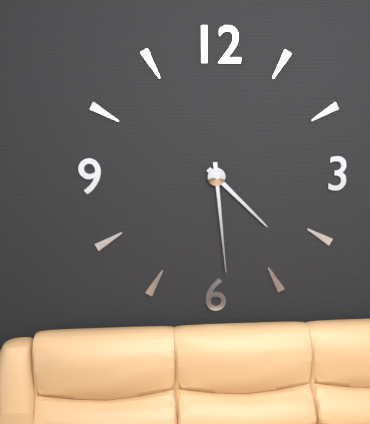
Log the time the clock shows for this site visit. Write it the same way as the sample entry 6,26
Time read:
4,29
